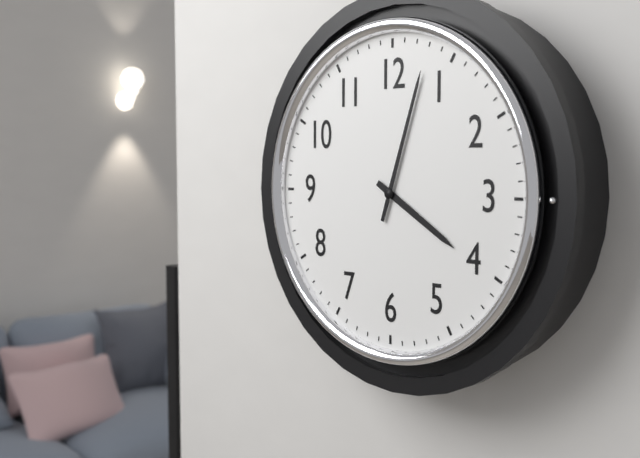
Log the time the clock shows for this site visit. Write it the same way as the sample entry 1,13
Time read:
4,03
